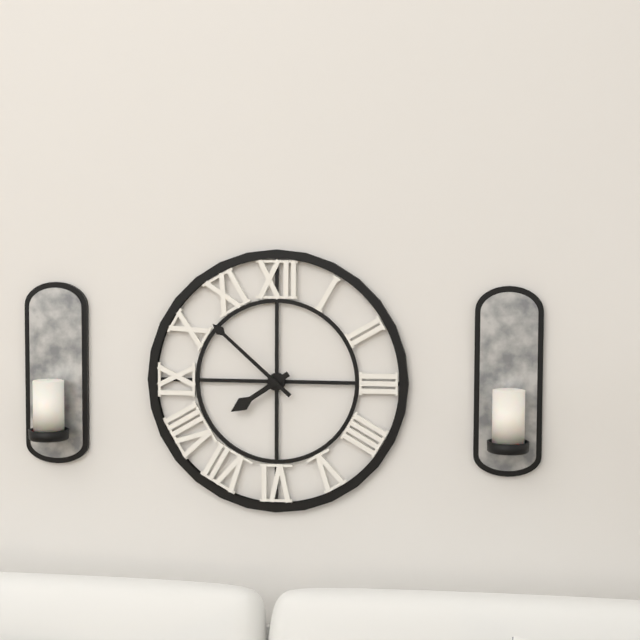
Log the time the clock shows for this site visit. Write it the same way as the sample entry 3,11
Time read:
7,52
